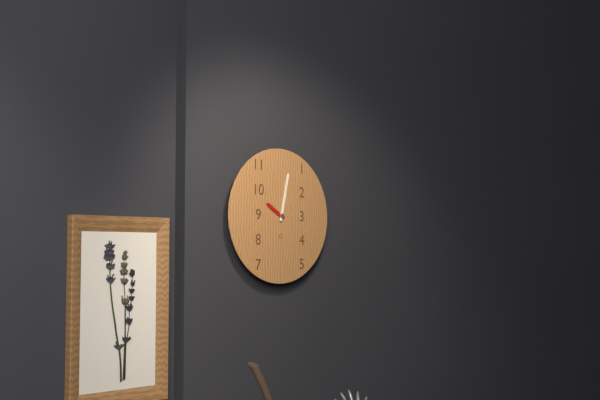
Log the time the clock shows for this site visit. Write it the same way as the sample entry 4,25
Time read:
10,02
